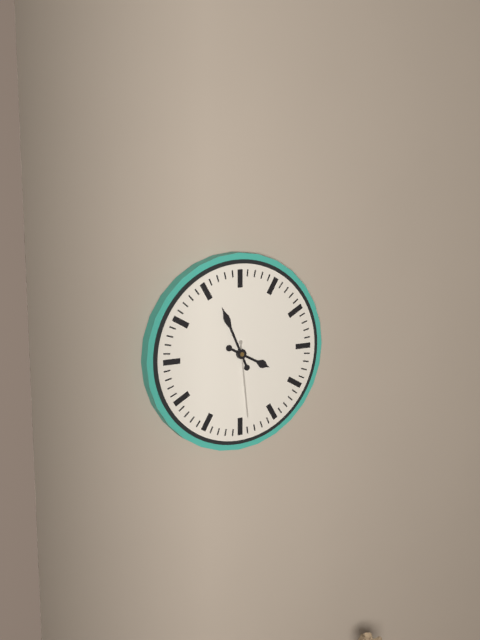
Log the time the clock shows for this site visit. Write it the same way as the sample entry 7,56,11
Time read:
3,56,29
